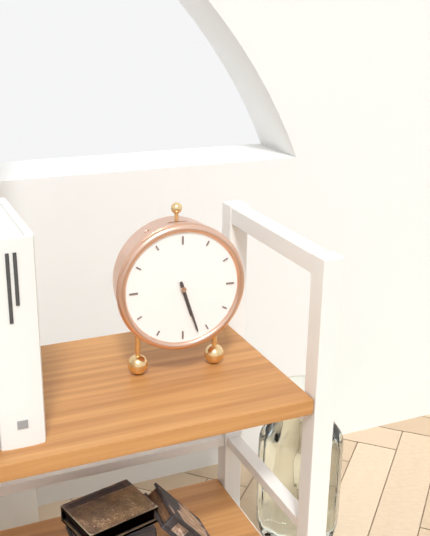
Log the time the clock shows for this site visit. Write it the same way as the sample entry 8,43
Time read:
5,27
